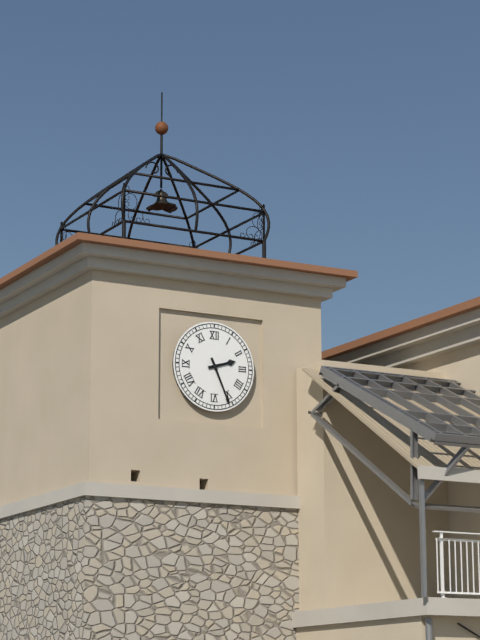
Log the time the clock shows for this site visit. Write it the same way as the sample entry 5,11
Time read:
2,26
